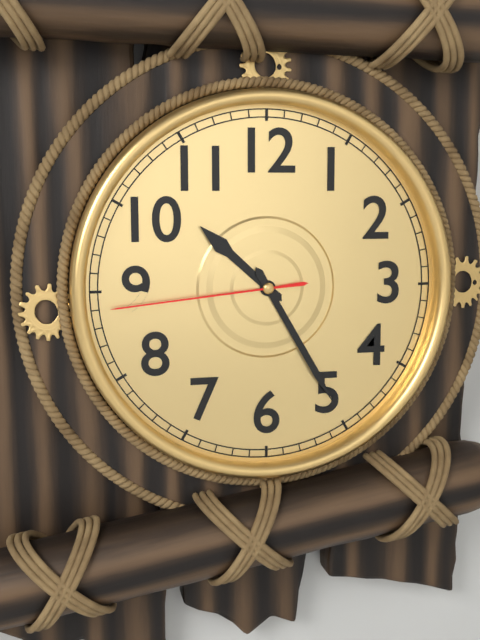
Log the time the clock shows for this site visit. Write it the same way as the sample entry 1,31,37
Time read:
10,25,44
